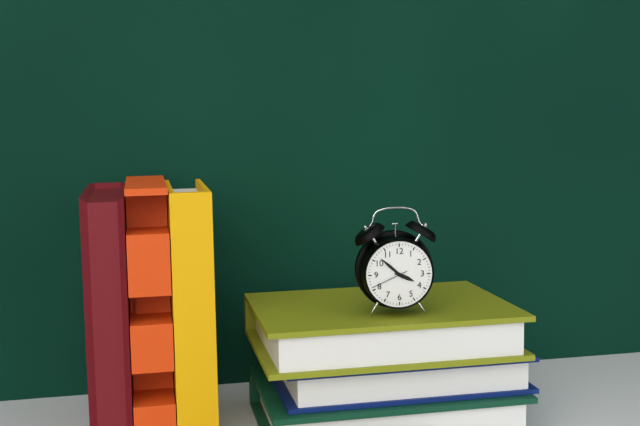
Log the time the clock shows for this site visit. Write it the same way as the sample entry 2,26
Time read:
3,52
